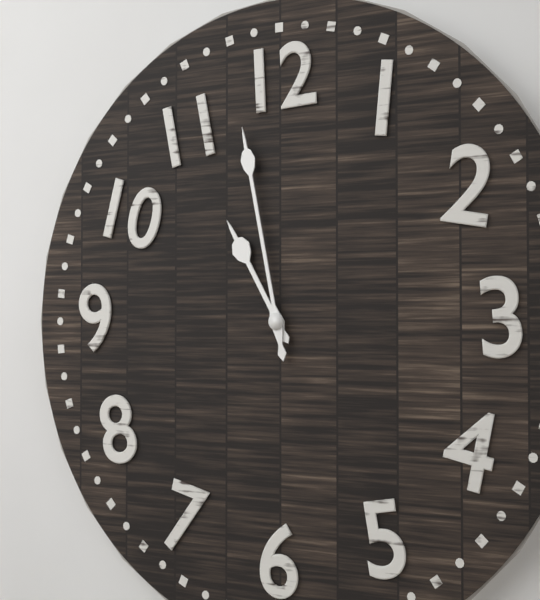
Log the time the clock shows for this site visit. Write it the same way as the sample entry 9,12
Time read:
10,58
